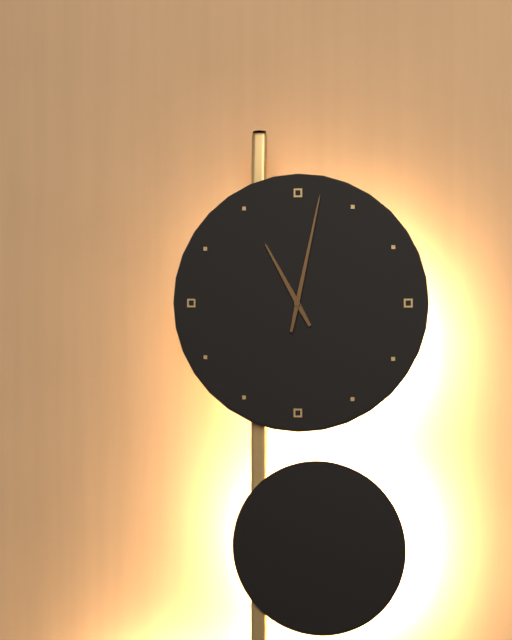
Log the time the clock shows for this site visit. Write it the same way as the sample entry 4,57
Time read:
11,02
